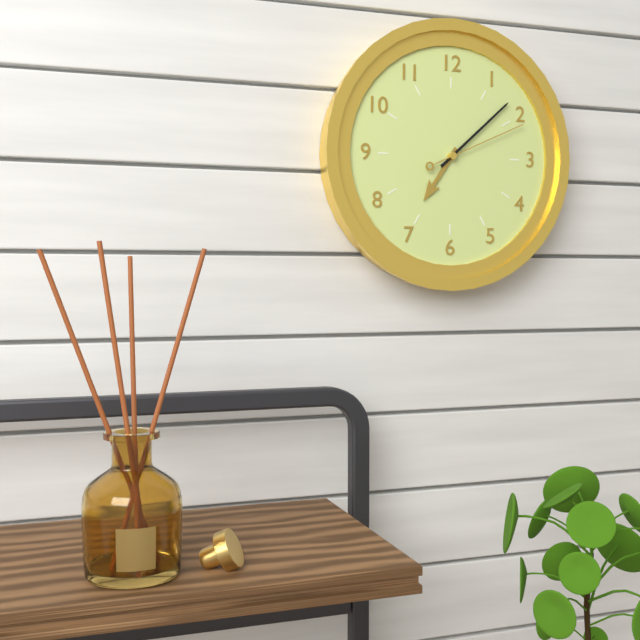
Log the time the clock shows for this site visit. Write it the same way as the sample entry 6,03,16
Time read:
7,08,11
